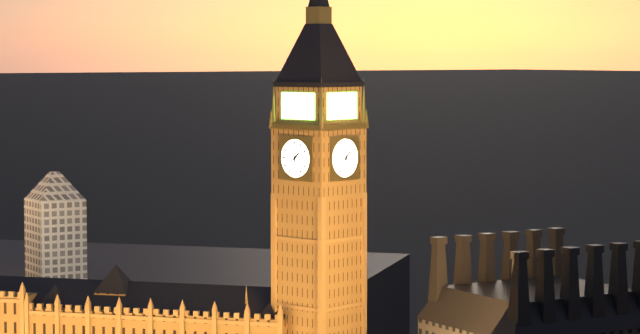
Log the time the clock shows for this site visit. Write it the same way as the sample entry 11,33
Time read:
1,29
